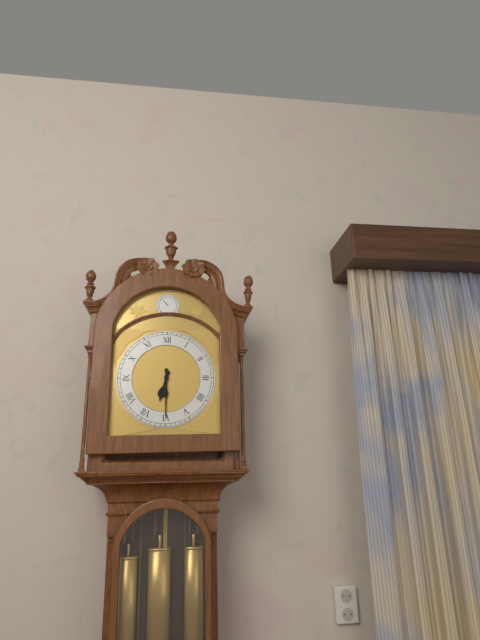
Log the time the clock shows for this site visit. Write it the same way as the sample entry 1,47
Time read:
6,30
